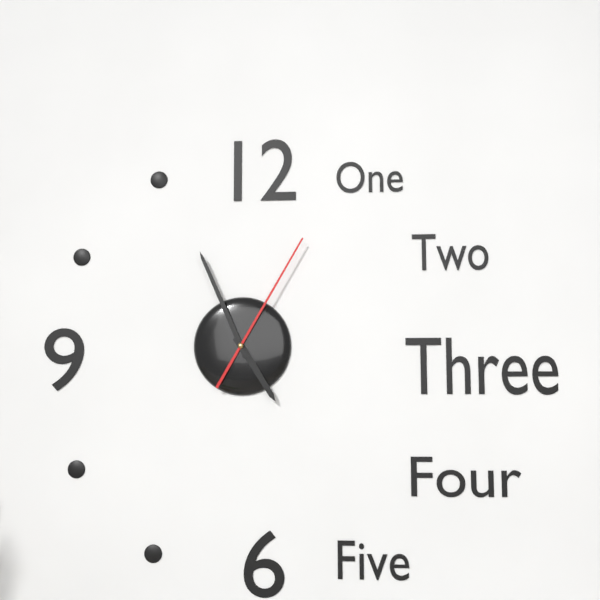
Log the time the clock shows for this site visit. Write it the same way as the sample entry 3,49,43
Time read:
4,56,05
